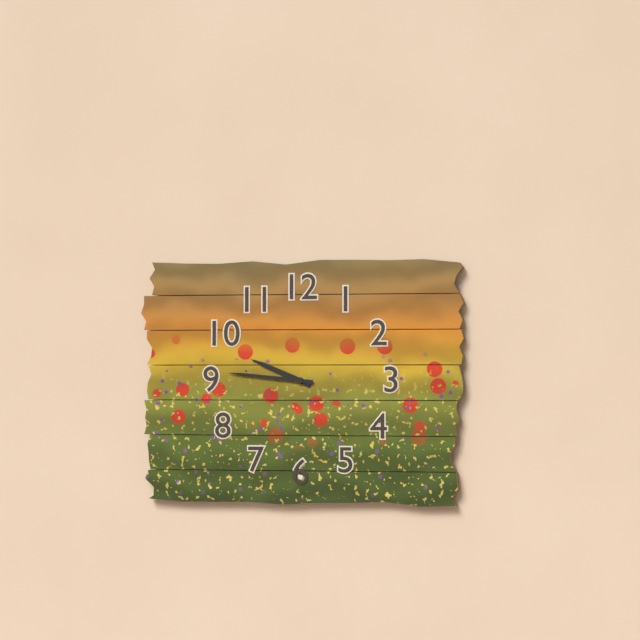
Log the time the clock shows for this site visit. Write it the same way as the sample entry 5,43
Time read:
9,46
